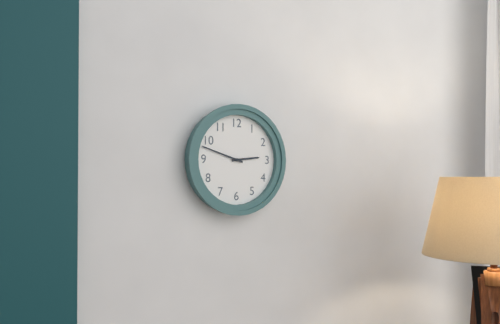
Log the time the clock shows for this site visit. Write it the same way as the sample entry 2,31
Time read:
2,48
